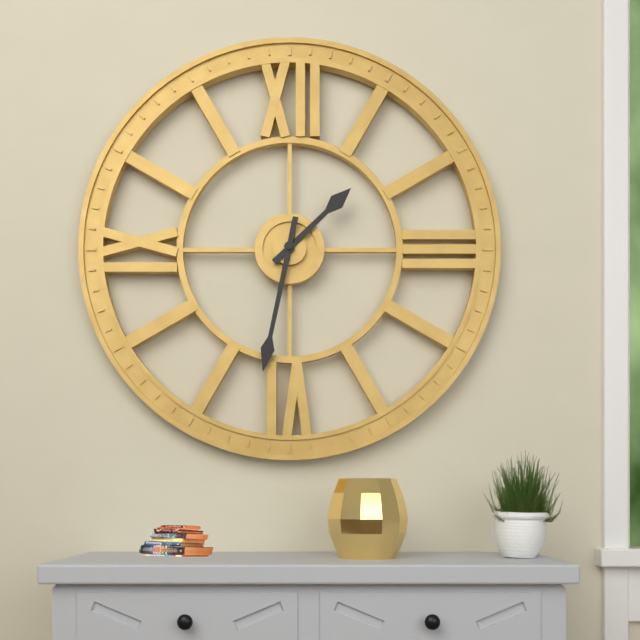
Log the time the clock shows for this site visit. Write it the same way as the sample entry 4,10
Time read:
1,32
